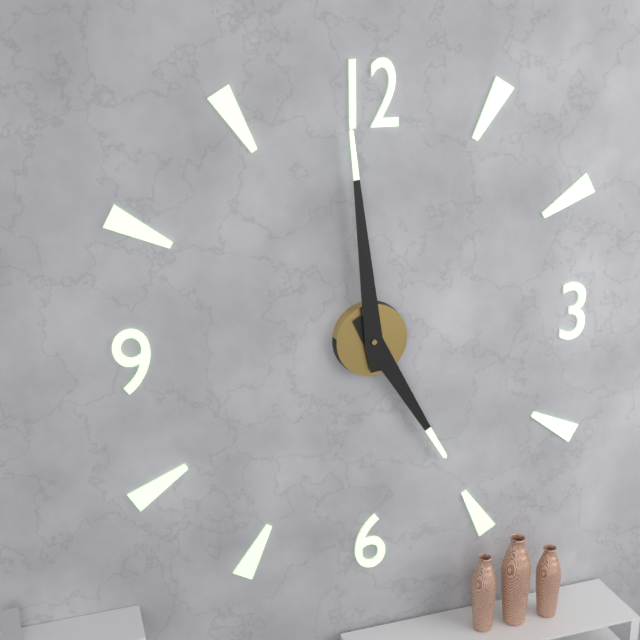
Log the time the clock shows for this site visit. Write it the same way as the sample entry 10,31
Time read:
4,59
